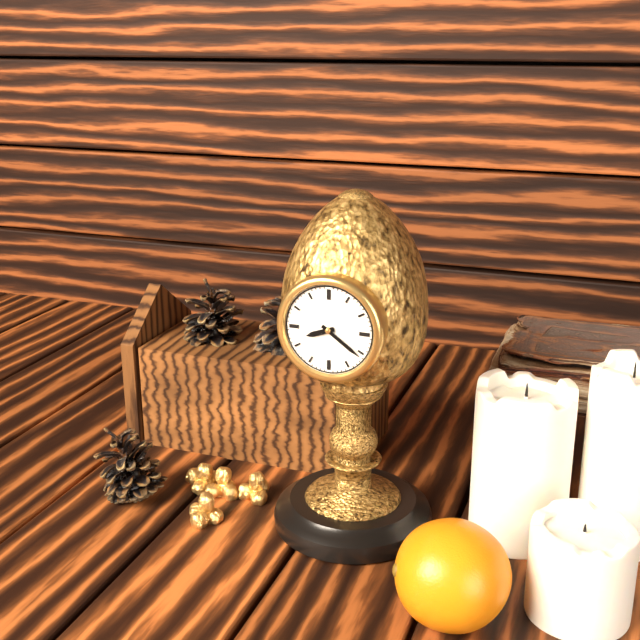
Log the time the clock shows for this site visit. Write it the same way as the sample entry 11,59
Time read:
8,21
